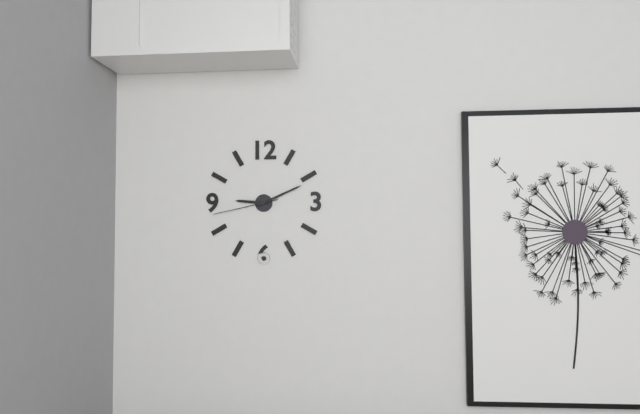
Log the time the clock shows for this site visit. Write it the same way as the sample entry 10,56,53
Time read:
9,11,43
